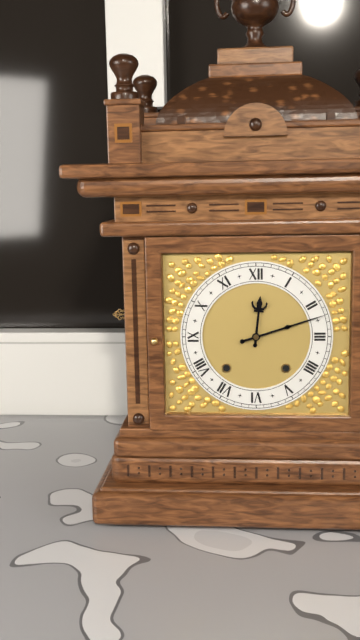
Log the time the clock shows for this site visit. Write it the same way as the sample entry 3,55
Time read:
12,12
